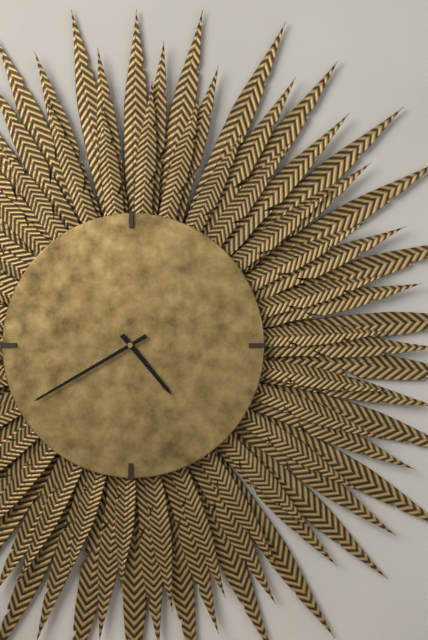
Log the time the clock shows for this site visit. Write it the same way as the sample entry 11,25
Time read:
4,40
